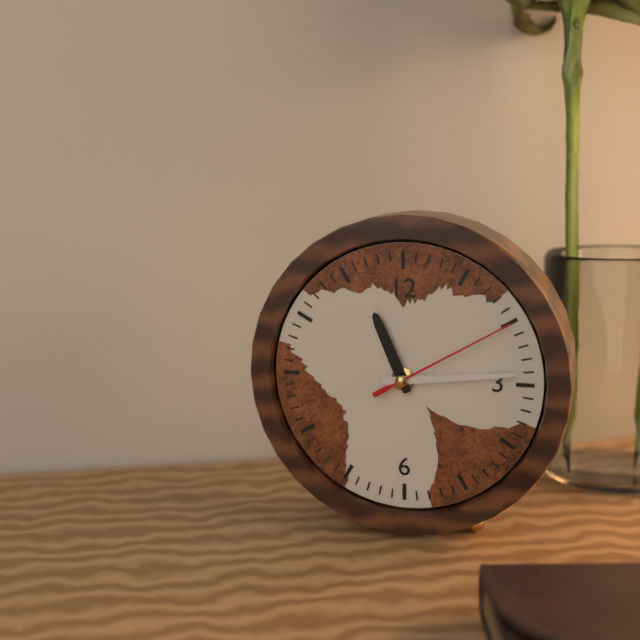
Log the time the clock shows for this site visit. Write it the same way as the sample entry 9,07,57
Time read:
11,14,10
